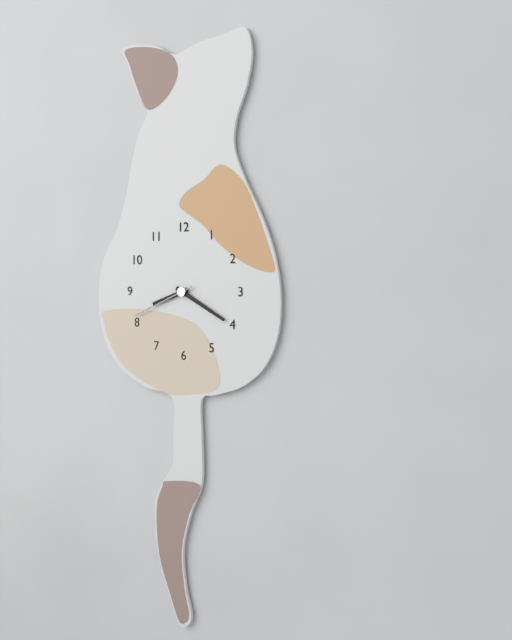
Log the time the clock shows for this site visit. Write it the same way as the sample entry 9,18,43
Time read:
8,20,41
